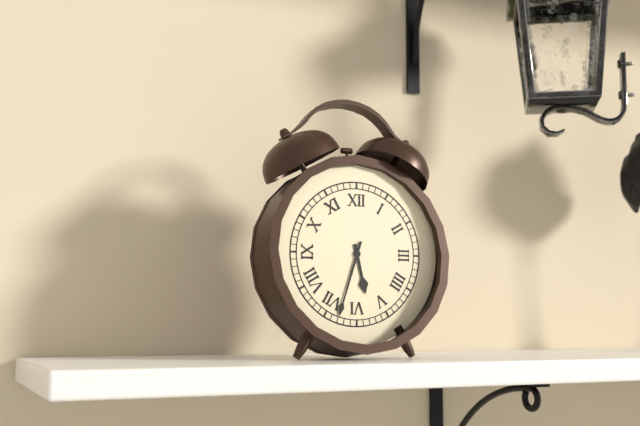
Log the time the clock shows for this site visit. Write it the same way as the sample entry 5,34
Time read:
5,33
